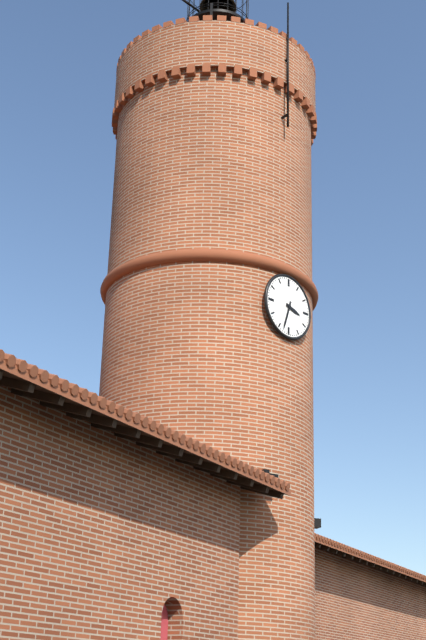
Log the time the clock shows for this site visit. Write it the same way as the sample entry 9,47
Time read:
3,33
